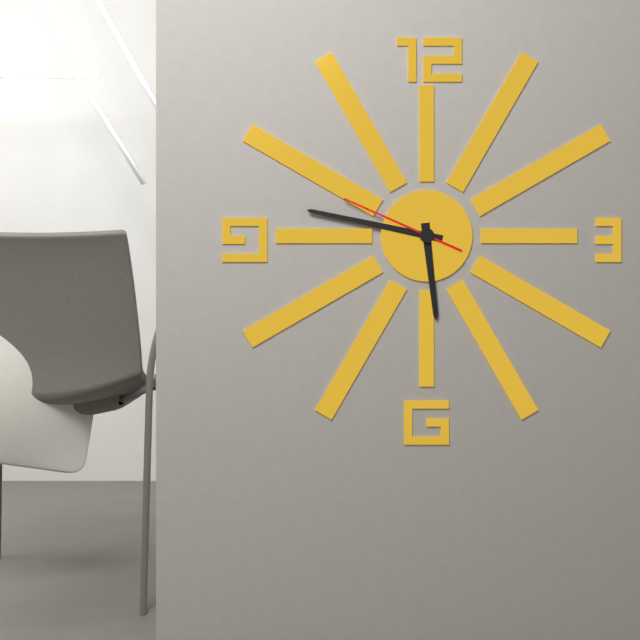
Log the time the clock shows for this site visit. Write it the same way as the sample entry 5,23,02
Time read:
5,47,49
